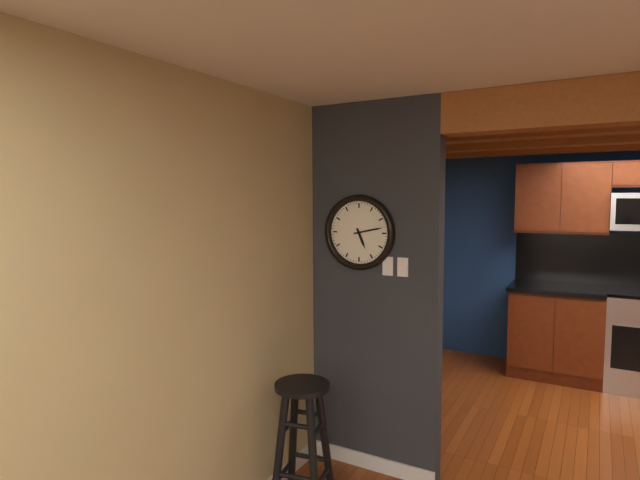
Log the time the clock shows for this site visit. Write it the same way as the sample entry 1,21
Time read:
5,13
